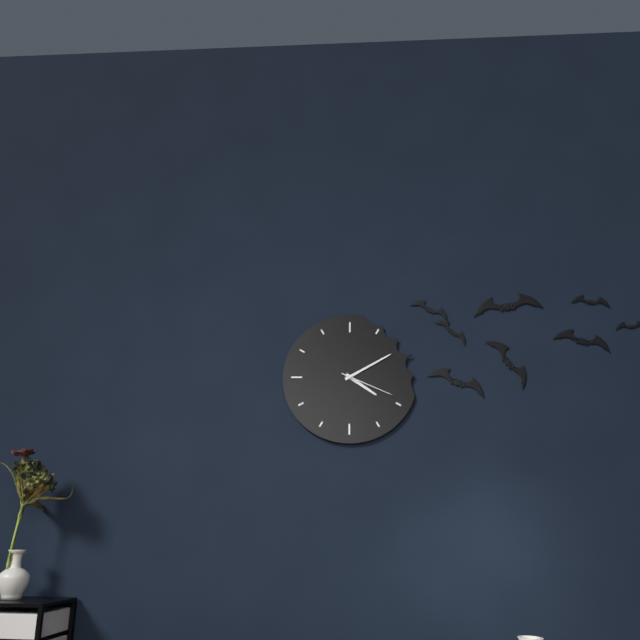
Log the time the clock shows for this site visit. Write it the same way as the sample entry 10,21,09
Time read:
4,10,19
